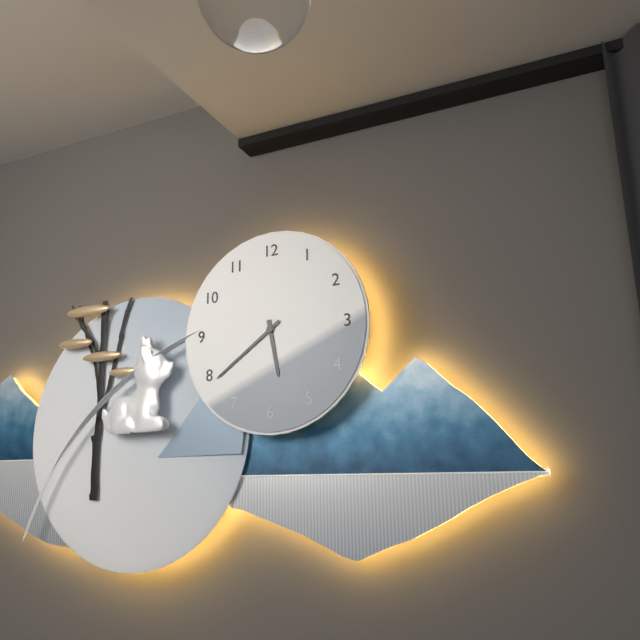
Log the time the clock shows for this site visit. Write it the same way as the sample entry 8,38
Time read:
5,39
